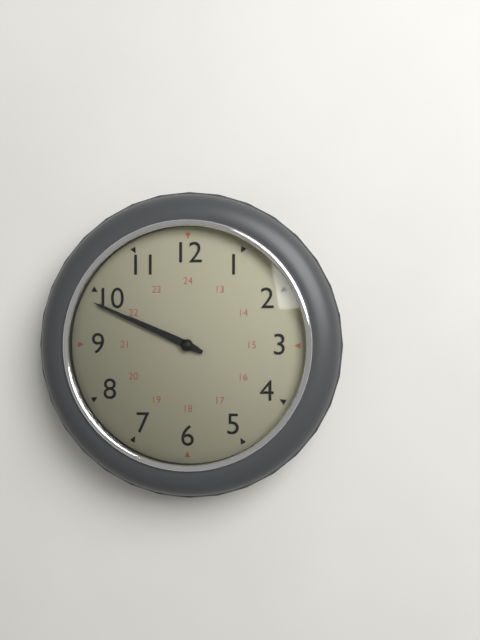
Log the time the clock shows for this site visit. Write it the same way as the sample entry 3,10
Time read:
9,49
